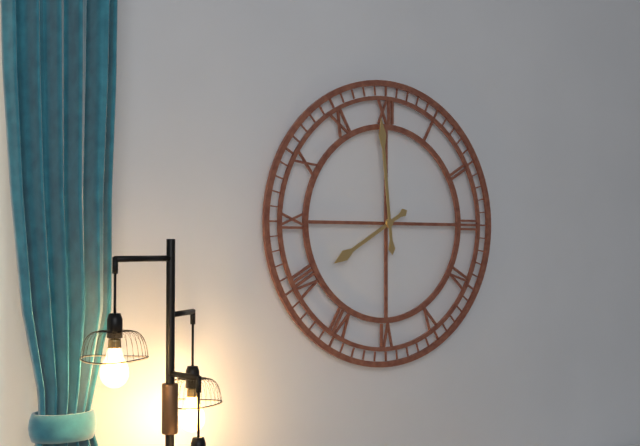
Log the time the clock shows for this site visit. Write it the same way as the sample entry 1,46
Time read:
7,59
